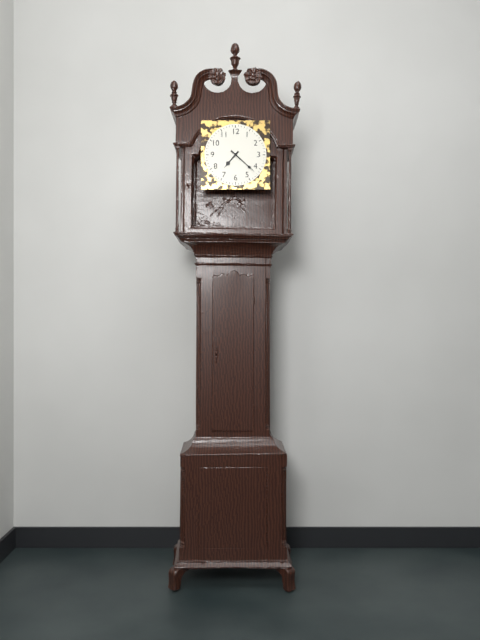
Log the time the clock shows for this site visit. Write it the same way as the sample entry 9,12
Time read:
7,22
